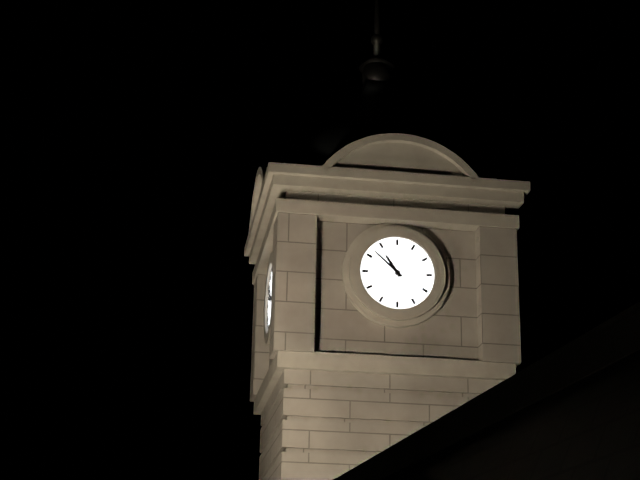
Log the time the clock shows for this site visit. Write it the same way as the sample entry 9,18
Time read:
10,52
